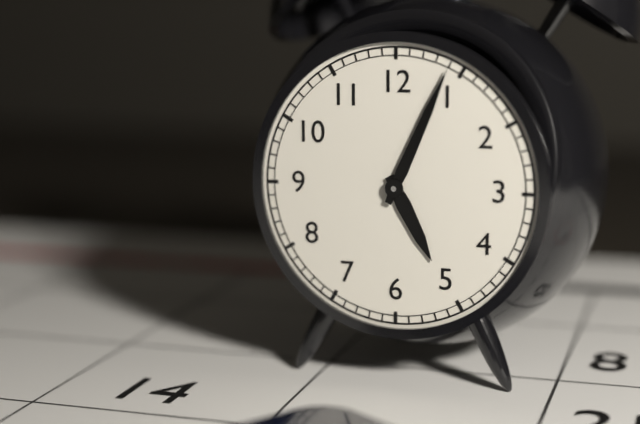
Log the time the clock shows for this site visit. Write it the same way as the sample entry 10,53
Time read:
5,04
